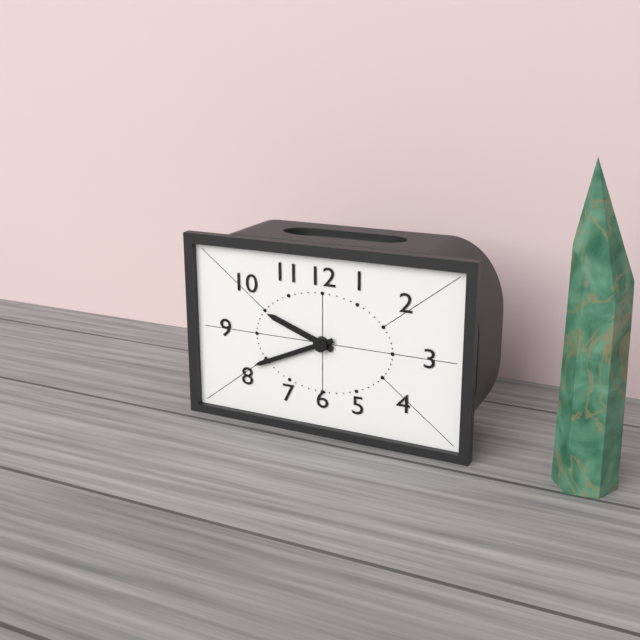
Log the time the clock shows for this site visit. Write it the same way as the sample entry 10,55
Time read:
9,41
